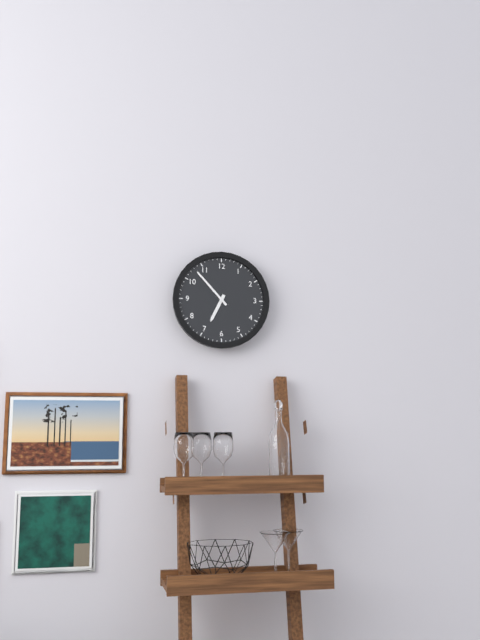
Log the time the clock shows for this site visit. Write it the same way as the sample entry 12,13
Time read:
6,53
